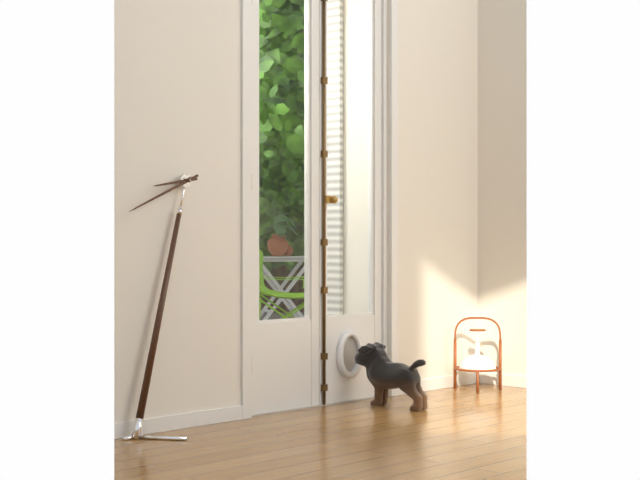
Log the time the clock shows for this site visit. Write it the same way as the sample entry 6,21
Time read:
8,41
